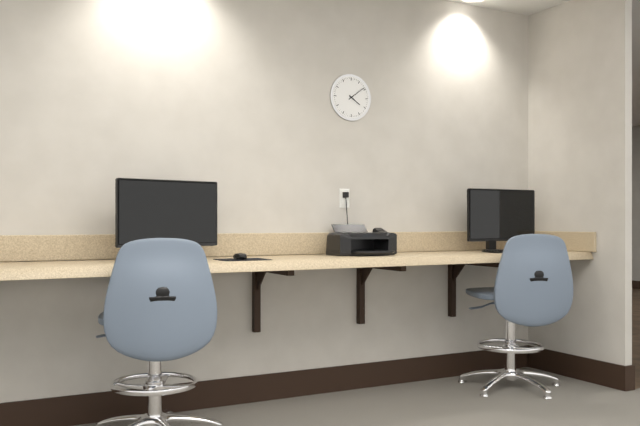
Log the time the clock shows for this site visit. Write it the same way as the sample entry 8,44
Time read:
4,09
